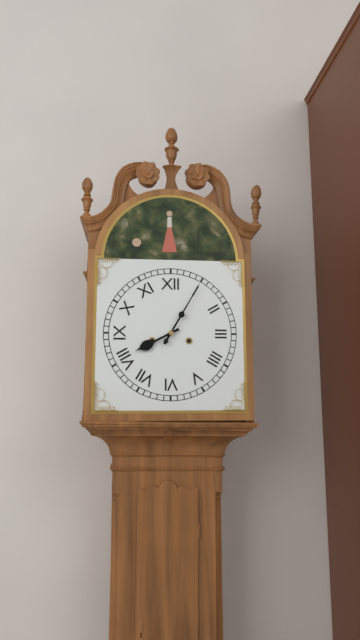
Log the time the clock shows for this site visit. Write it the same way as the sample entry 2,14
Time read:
8,05
